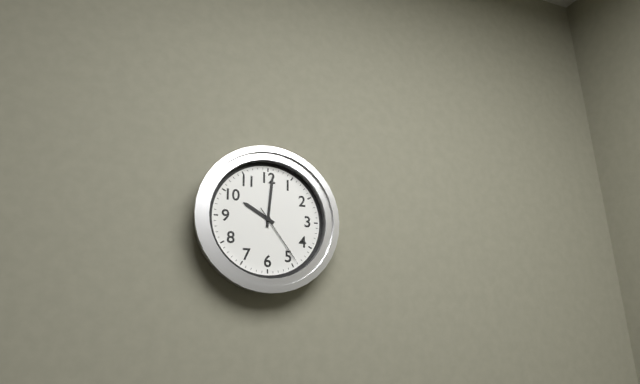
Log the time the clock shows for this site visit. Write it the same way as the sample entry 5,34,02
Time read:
10,01,24
